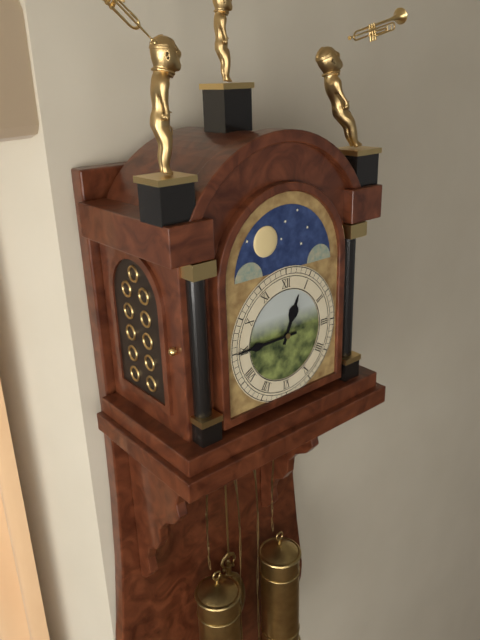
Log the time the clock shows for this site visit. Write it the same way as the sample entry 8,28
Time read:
12,45
